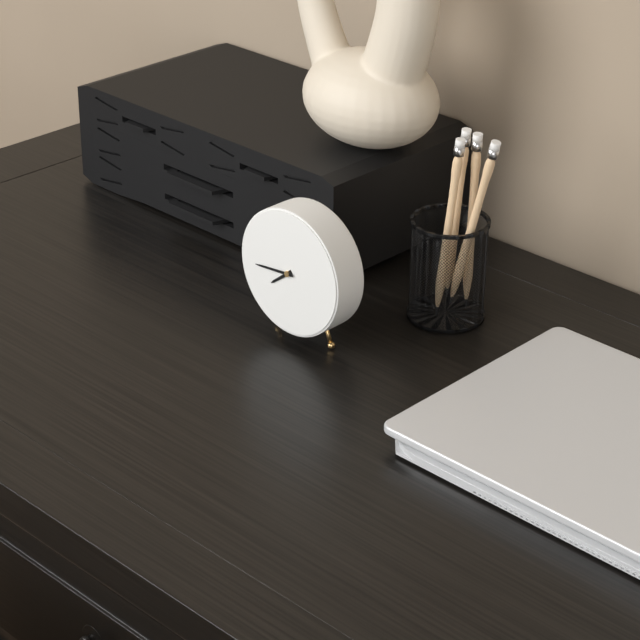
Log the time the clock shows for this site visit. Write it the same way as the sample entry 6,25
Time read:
7,44
